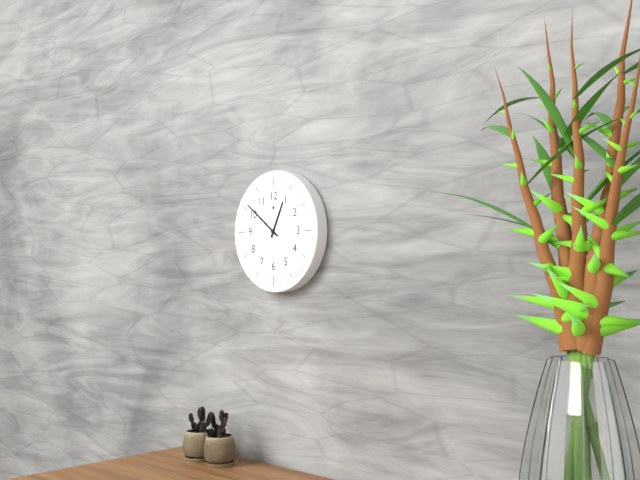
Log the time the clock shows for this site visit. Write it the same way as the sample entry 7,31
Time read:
12,51
